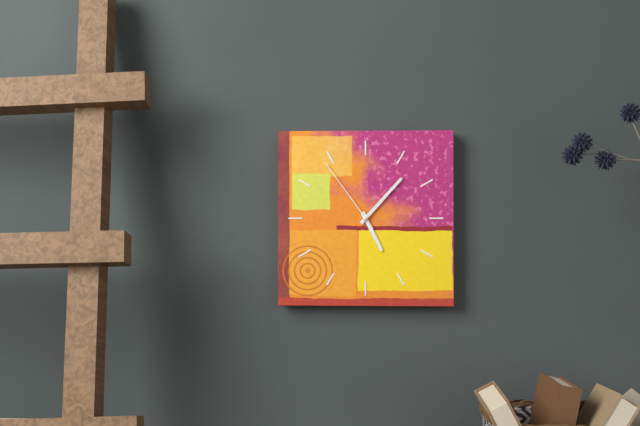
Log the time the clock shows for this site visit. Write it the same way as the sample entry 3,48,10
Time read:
5,07,54
